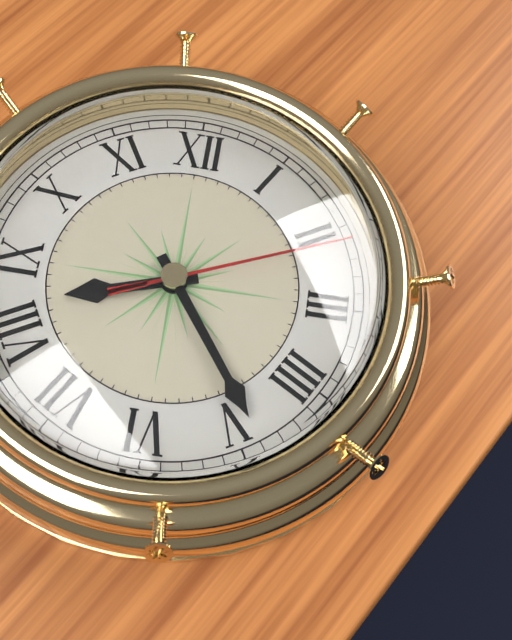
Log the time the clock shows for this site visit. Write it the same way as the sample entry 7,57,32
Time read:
8,24,11
